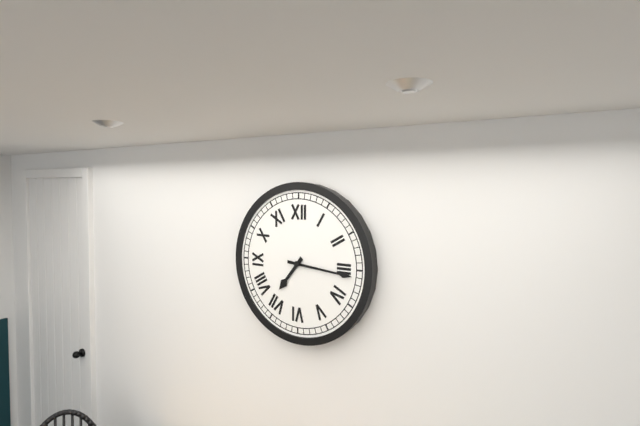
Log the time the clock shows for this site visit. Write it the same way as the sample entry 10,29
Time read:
7,16
